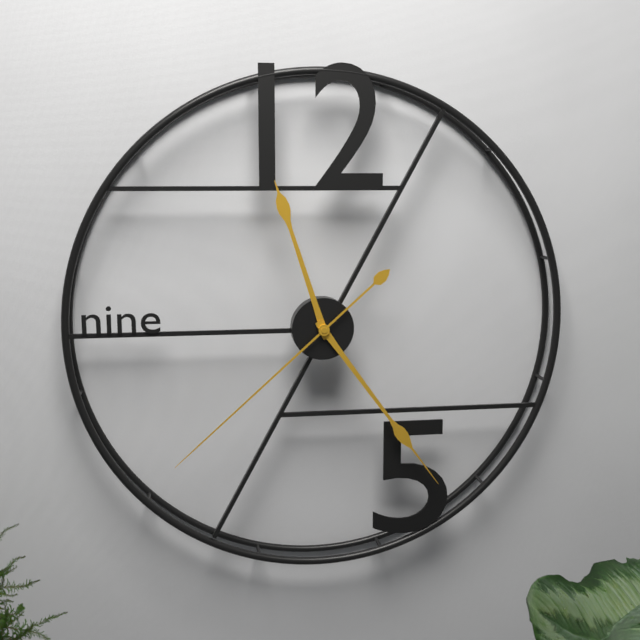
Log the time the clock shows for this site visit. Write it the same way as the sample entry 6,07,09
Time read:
11,24,38
